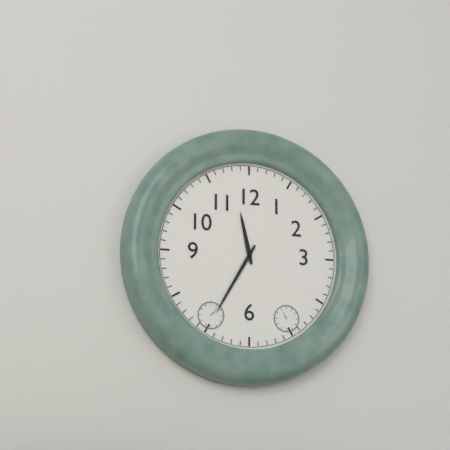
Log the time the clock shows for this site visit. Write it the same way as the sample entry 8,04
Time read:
11,35
